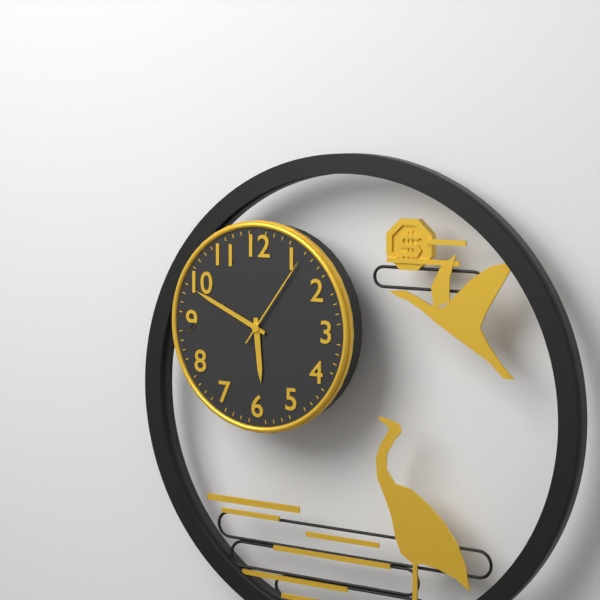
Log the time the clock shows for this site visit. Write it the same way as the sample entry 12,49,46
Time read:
5,49,06
